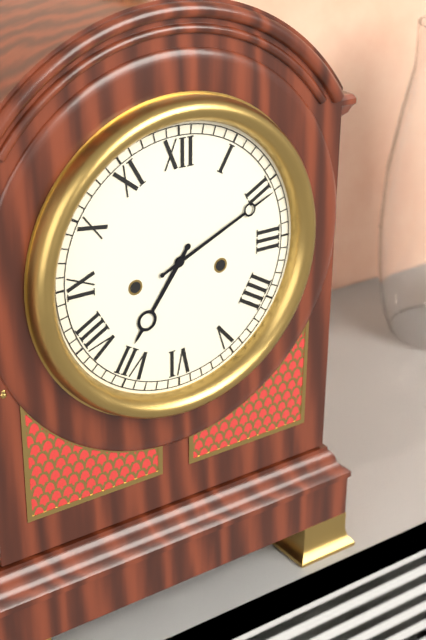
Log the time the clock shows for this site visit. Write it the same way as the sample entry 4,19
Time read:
7,11
